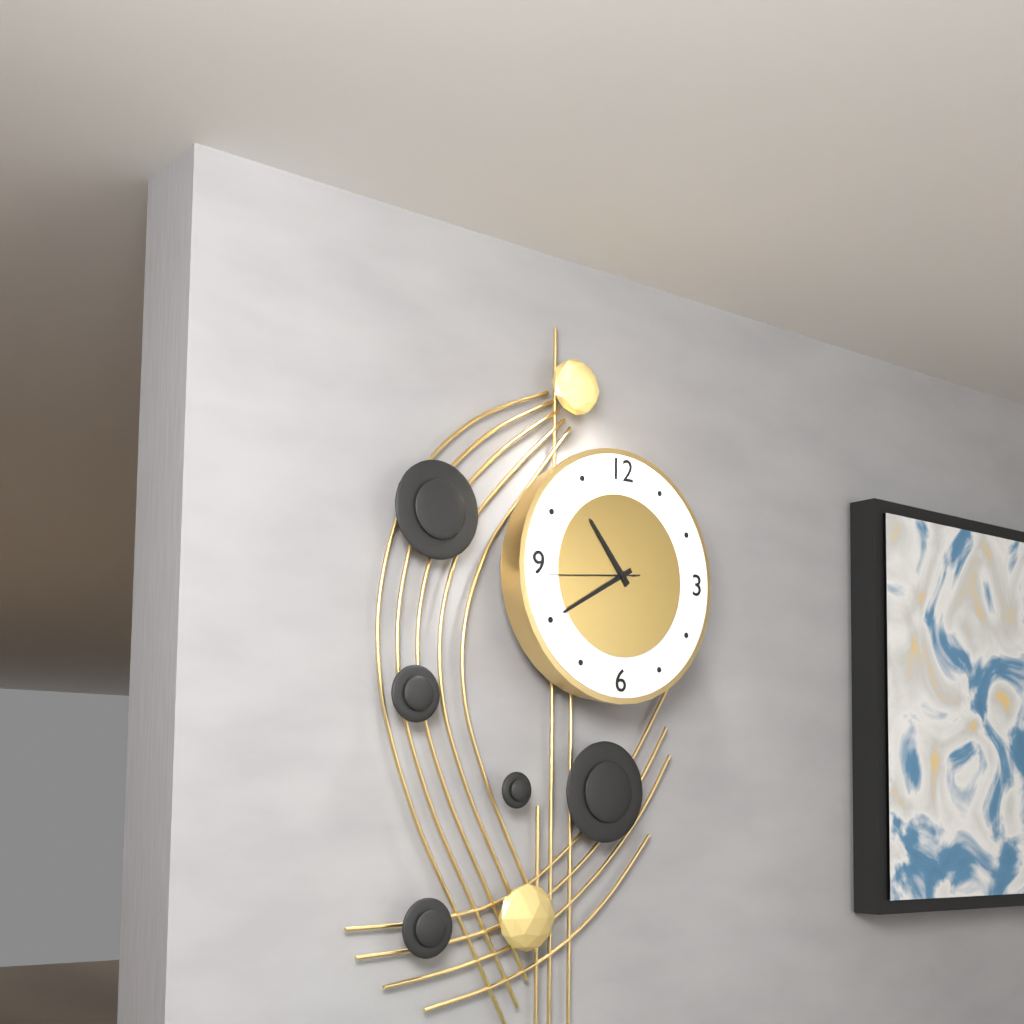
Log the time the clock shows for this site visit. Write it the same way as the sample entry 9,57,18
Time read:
10,40,44
